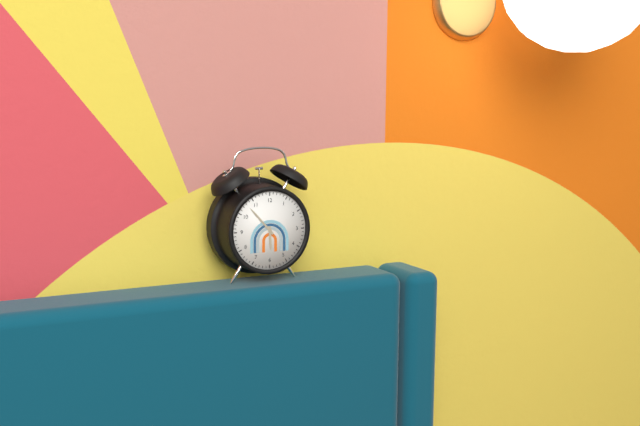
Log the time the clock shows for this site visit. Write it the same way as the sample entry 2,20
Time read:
5,53
